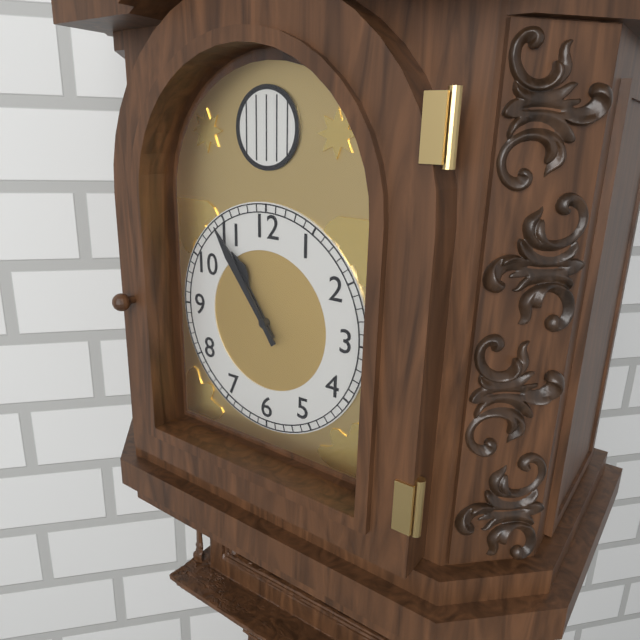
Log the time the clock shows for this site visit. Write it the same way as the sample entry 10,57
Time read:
10,54
